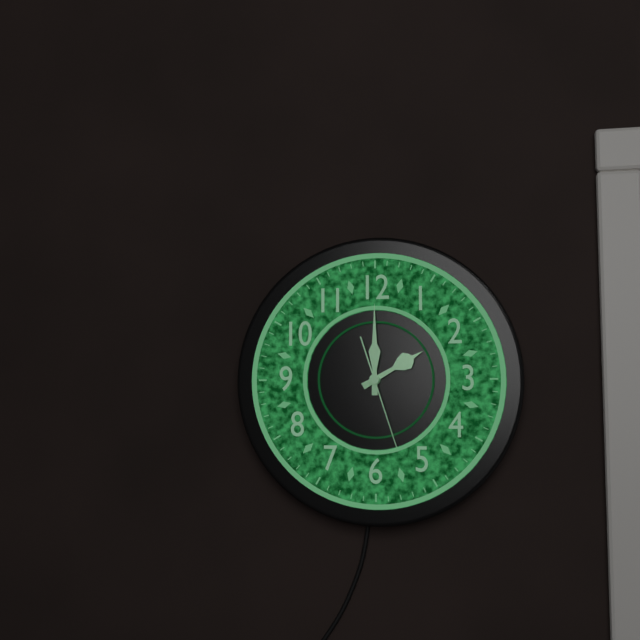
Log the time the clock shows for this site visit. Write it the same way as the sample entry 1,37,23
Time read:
2,00,27
